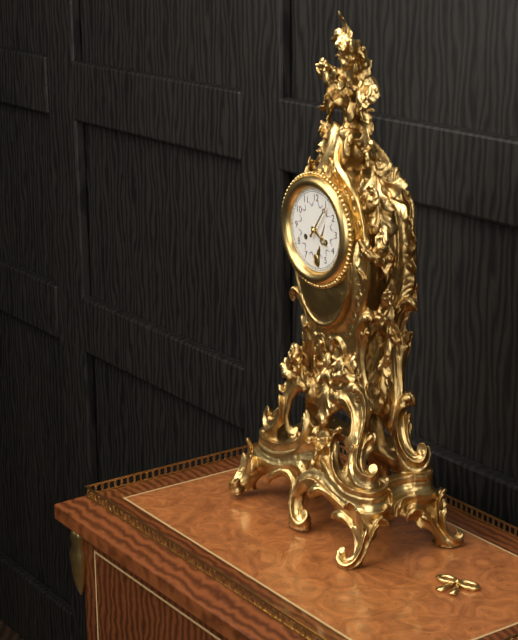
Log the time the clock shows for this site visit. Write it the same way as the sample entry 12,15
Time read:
4,06
